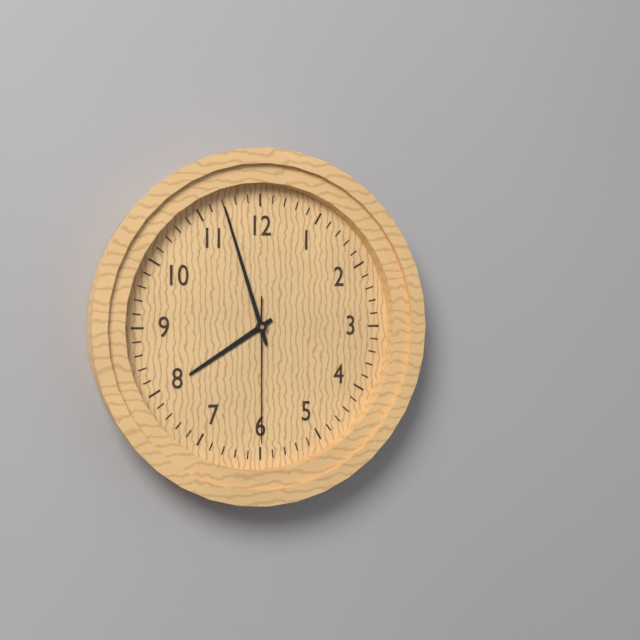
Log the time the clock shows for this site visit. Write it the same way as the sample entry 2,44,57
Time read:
7,57,30
